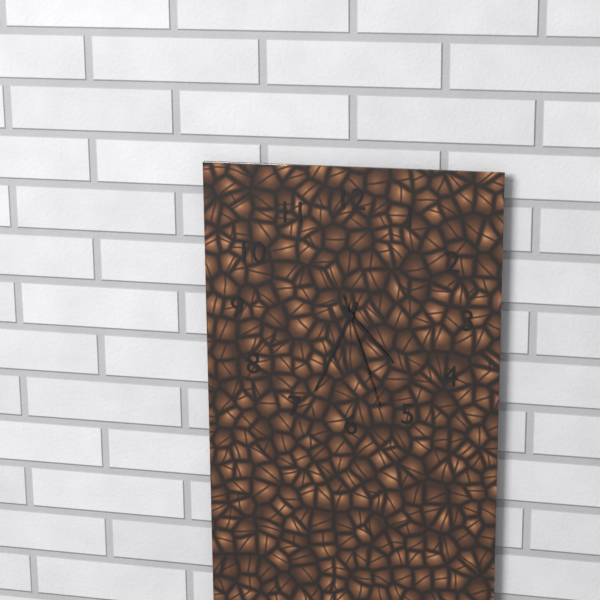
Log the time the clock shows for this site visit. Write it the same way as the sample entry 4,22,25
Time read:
4,34,27
